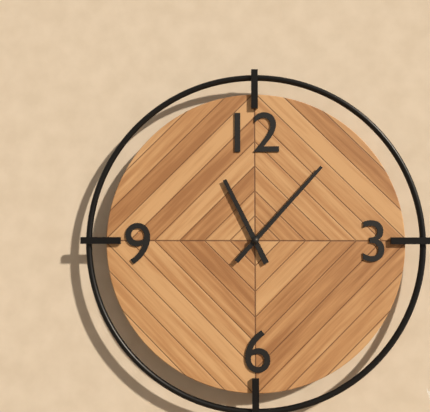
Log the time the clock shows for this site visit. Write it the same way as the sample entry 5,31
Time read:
11,07
